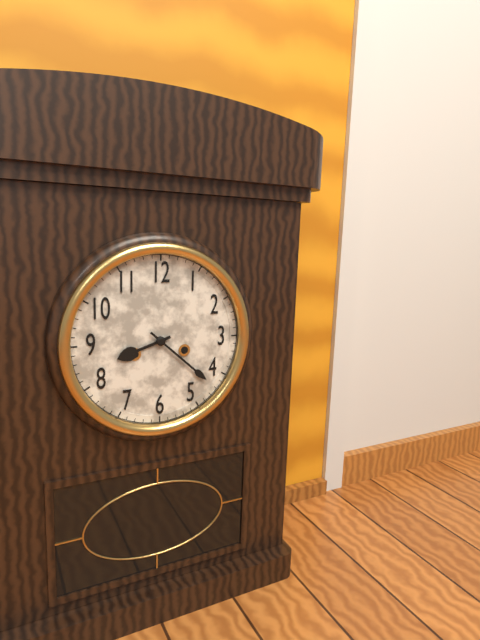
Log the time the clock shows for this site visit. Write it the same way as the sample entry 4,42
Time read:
8,22
